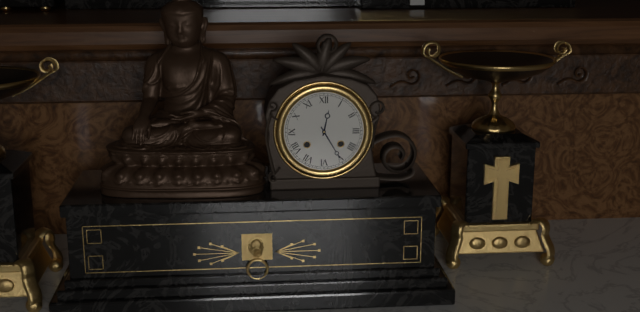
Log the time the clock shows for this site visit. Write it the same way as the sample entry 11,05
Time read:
12,25
